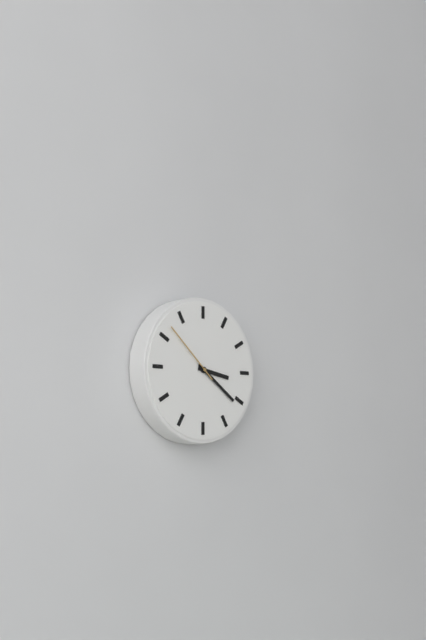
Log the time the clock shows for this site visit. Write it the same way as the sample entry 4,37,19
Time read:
3,21,52
